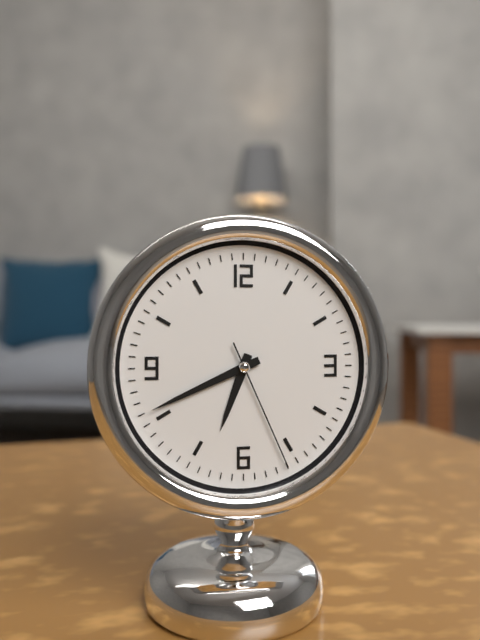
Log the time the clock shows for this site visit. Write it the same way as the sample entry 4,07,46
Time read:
6,41,26
